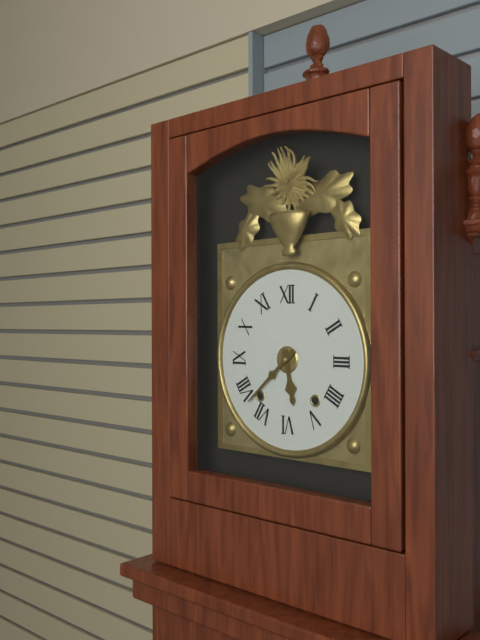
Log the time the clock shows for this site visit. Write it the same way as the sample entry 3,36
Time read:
5,38
